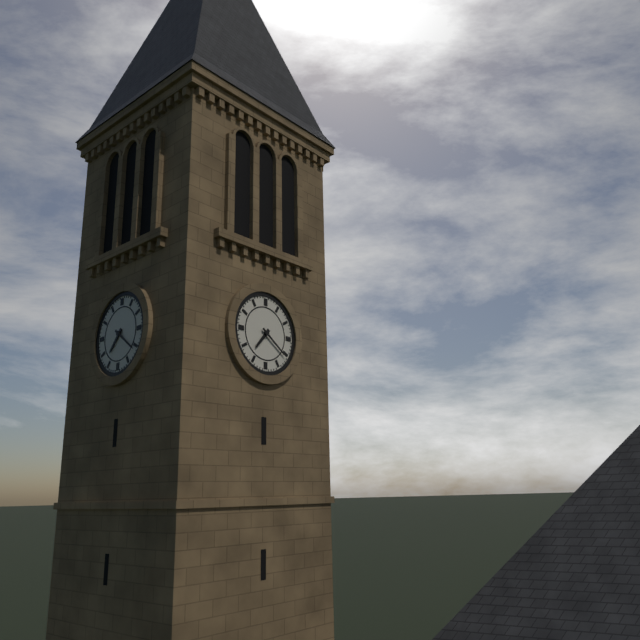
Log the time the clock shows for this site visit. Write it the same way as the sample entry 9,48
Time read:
7,21
